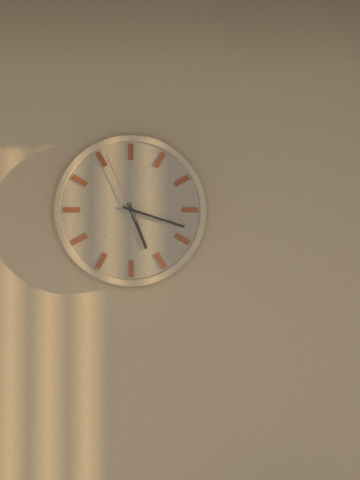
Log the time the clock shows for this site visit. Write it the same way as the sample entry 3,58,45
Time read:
5,18,56
